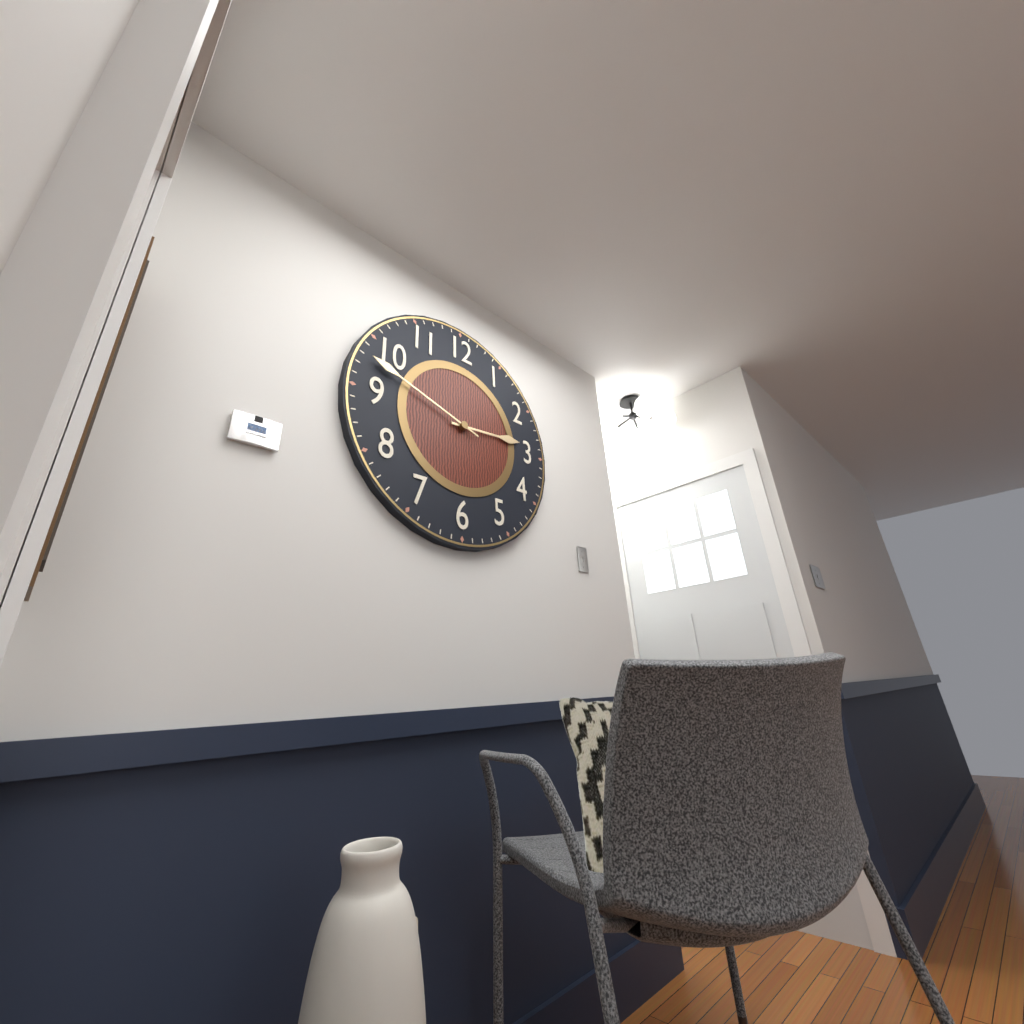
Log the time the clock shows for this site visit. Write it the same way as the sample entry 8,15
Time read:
2,48
